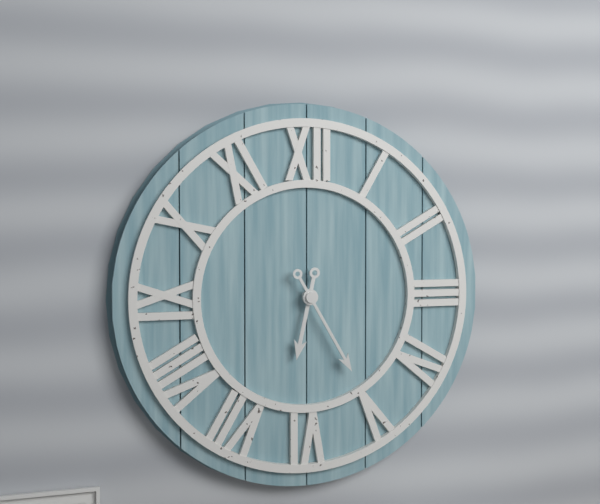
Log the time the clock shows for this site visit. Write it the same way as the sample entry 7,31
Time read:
6,25
